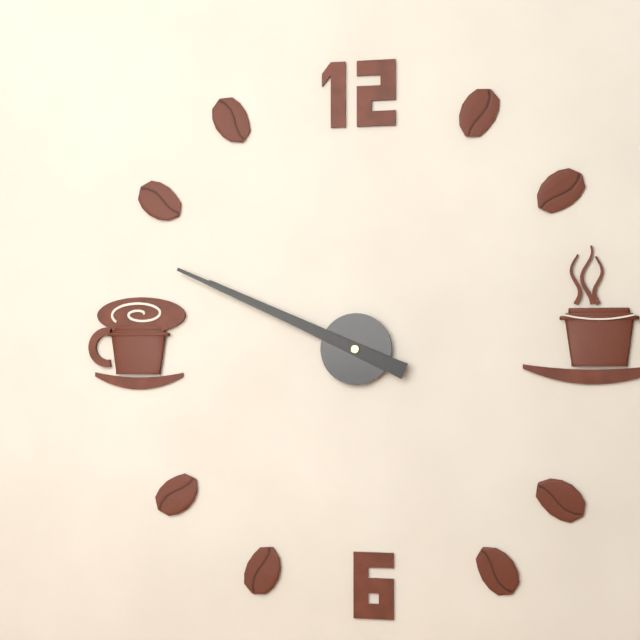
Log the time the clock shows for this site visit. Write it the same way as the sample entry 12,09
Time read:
9,49
